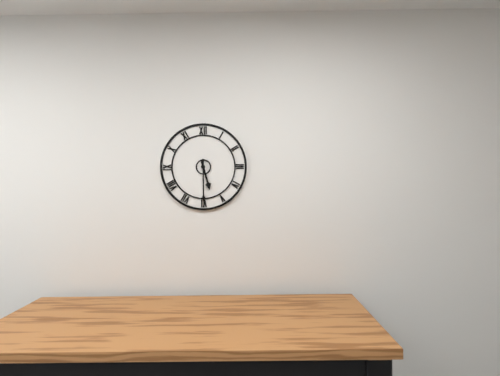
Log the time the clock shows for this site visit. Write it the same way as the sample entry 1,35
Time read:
5,30
